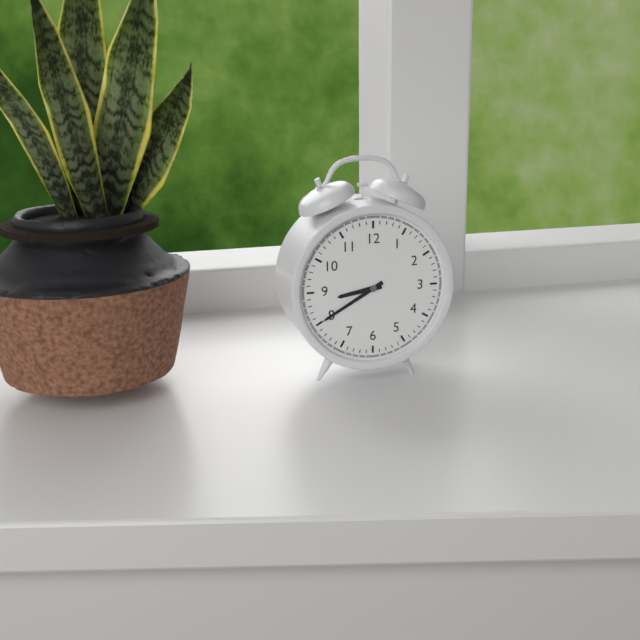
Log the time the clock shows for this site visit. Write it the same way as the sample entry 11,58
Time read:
8,40
